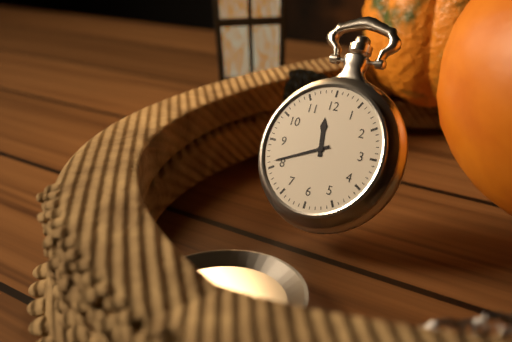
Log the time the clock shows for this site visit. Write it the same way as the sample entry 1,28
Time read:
11,41
